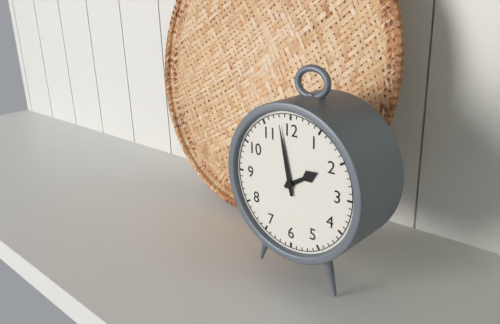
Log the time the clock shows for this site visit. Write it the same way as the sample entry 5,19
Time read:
1,58
